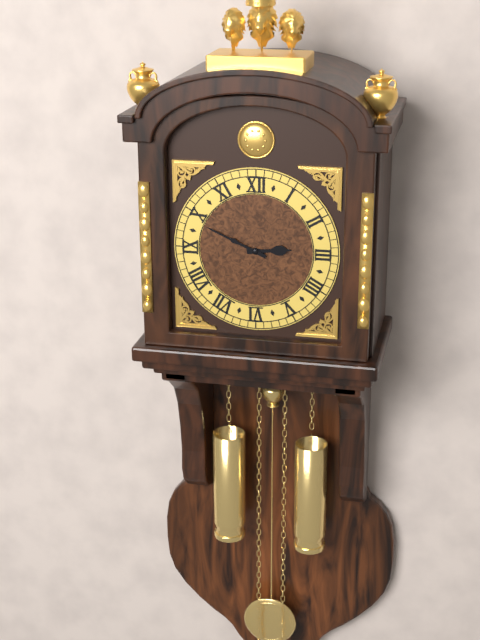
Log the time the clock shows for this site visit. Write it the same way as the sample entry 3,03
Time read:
2,49
